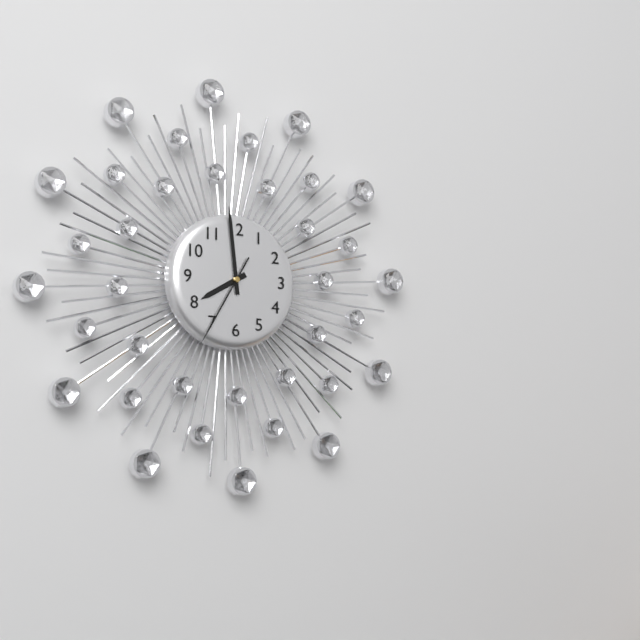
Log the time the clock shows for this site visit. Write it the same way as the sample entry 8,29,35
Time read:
7,59,35
